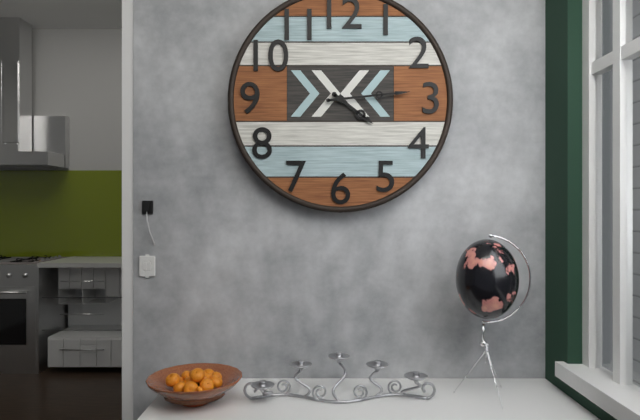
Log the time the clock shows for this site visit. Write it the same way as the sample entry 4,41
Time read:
4,14
